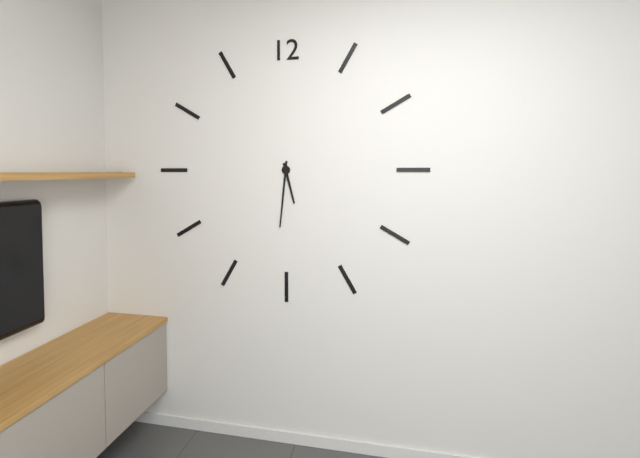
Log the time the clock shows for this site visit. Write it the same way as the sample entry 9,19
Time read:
5,31
